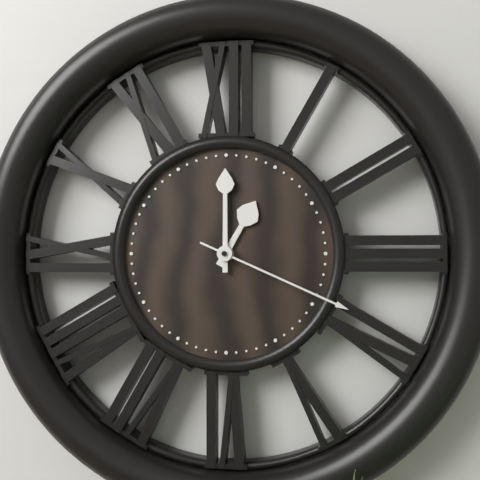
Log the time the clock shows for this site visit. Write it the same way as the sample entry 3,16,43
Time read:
1,00,19
